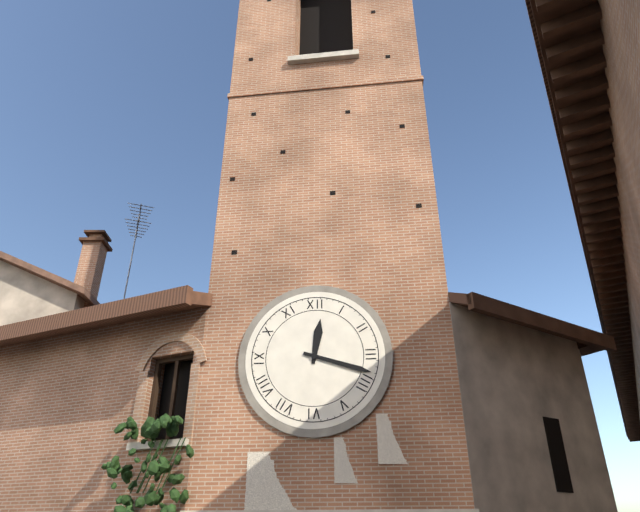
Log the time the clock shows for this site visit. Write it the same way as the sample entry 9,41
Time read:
12,18
